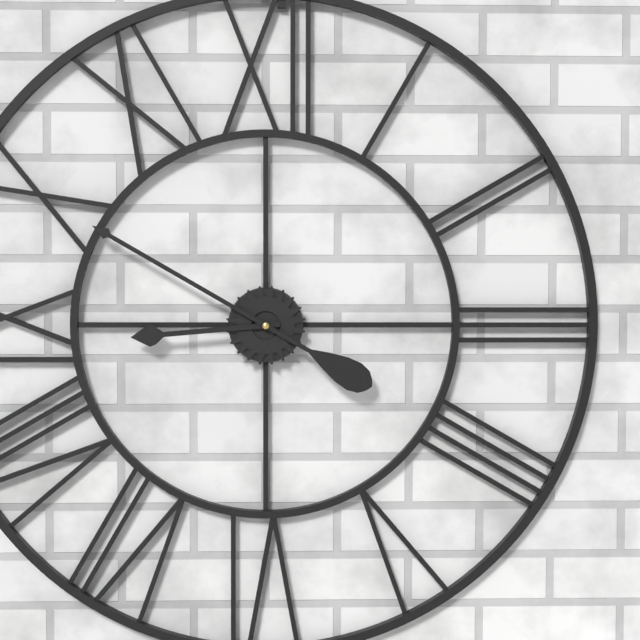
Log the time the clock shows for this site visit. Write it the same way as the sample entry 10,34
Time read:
8,50
